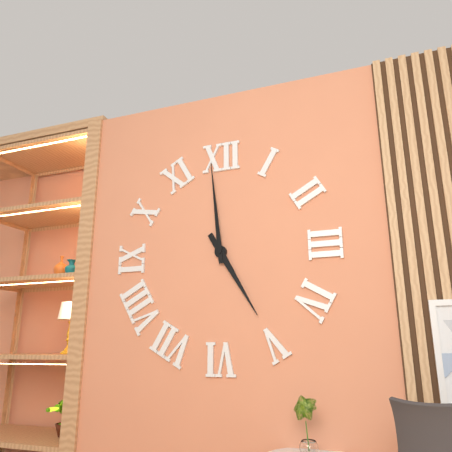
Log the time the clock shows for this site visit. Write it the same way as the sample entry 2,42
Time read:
4,59
